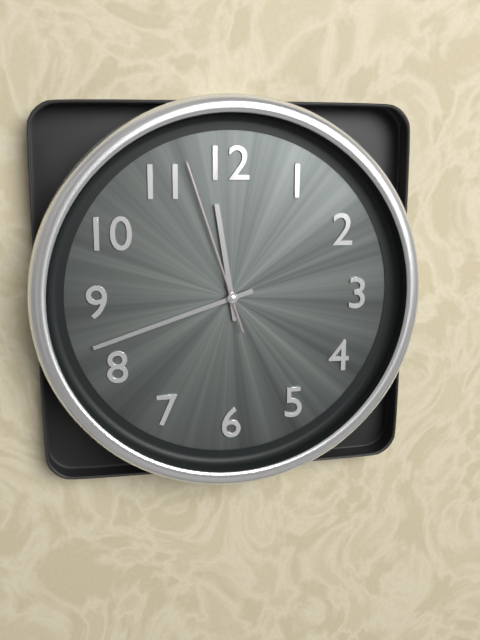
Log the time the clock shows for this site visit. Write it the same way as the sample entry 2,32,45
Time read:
11,42,57
